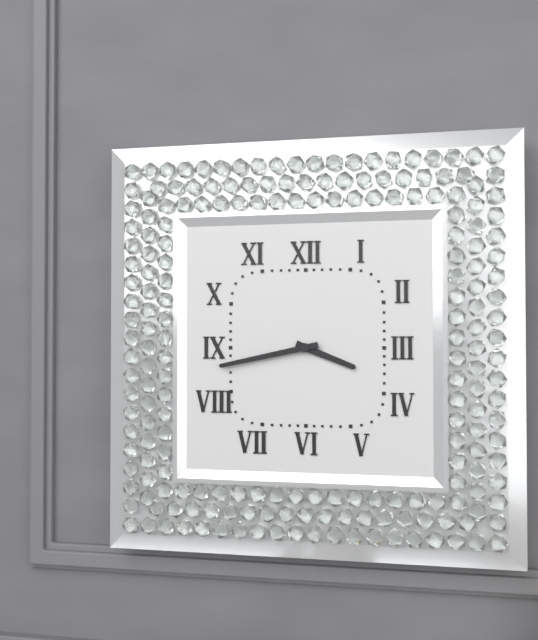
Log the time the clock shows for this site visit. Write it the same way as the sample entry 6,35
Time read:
3,43
